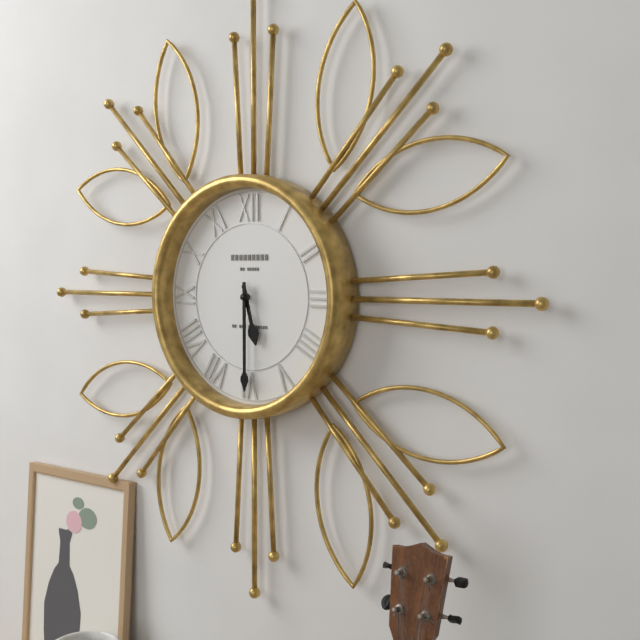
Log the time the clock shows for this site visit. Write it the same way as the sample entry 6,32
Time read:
5,30
